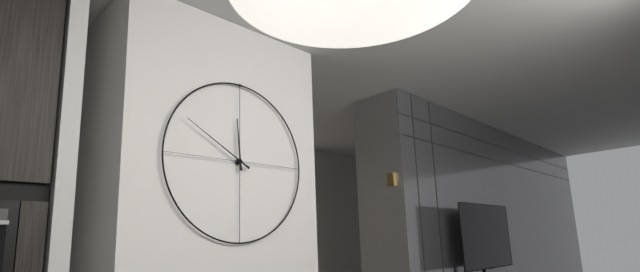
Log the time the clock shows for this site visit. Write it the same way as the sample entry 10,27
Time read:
11,50
